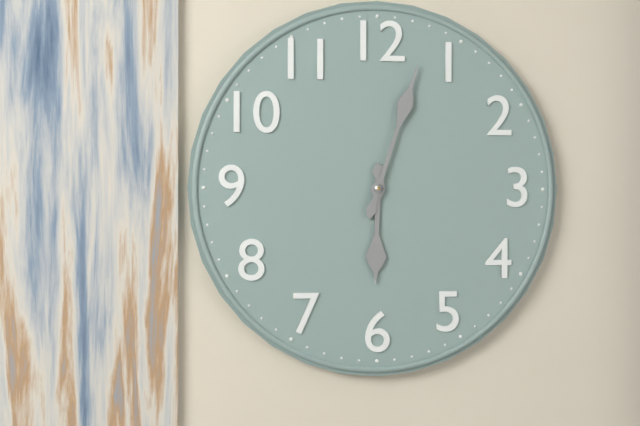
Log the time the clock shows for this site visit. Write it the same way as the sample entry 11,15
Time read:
6,03
